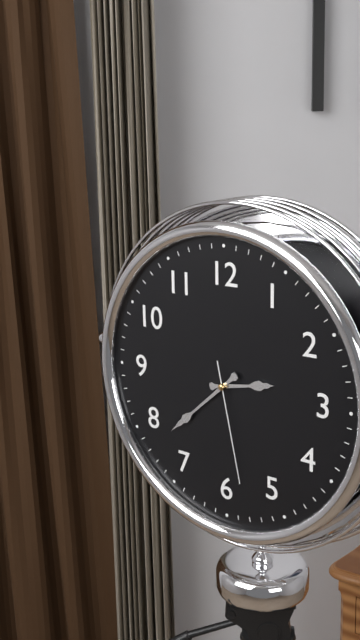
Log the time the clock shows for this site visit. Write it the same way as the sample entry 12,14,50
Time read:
2,38,28
